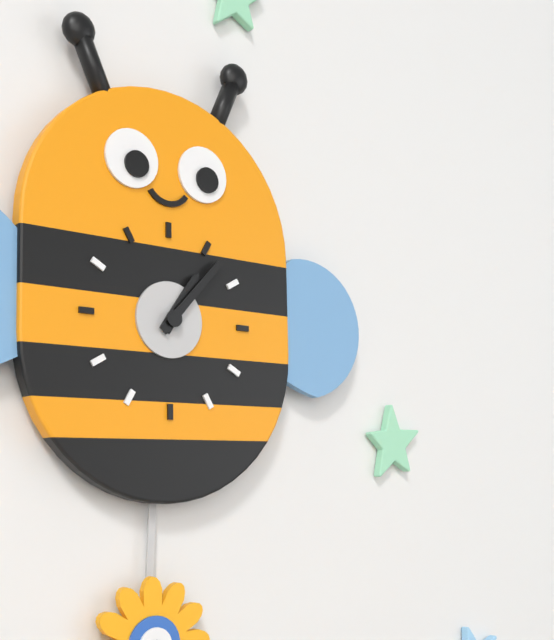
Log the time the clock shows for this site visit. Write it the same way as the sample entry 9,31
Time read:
1,07
